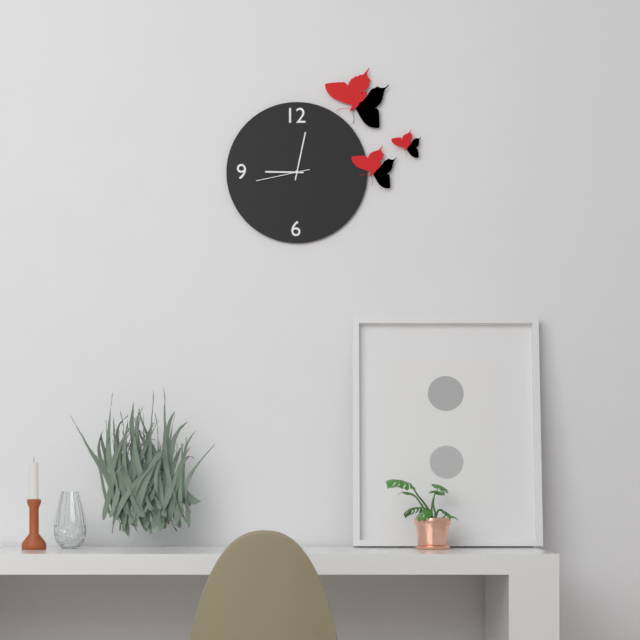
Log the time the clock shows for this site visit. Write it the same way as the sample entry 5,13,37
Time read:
9,02,43
